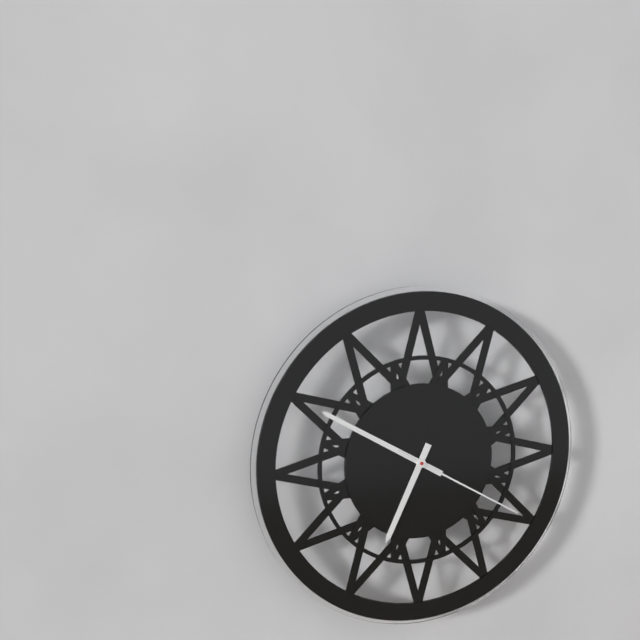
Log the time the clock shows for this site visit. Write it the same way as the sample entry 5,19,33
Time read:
6,50,20
